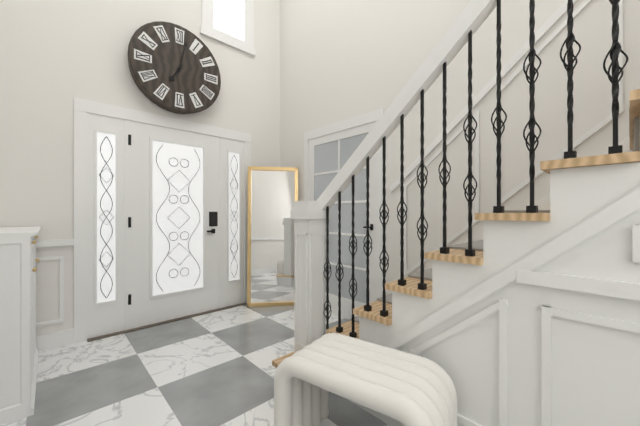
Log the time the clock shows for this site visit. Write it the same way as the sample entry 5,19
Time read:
7,02
